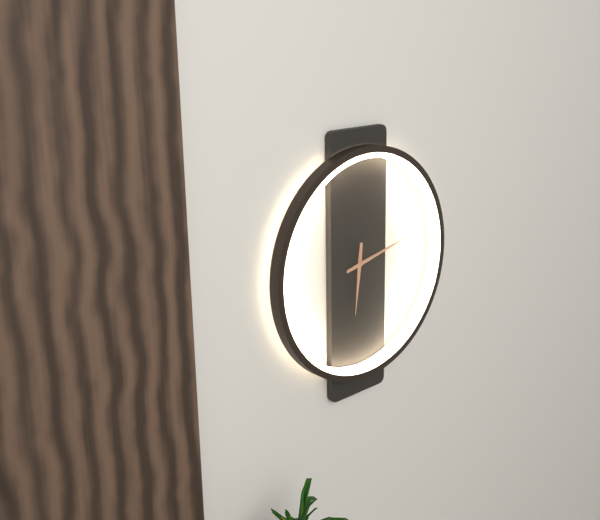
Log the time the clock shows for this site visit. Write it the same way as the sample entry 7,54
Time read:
6,13
